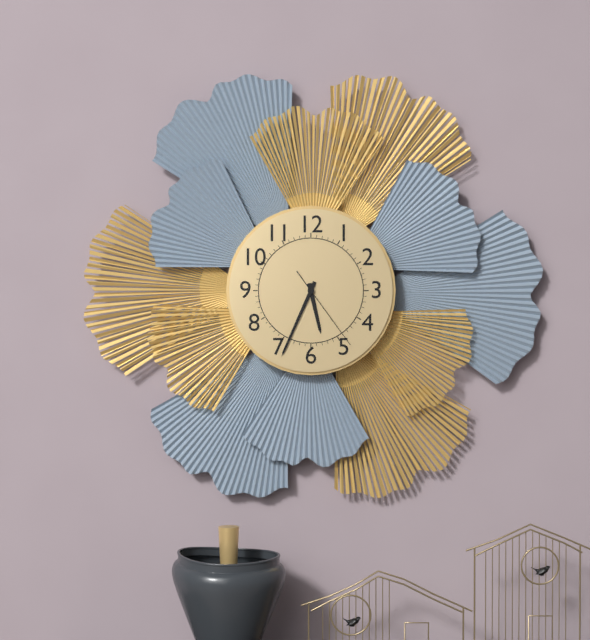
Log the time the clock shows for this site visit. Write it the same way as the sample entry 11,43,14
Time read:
5,34,24
